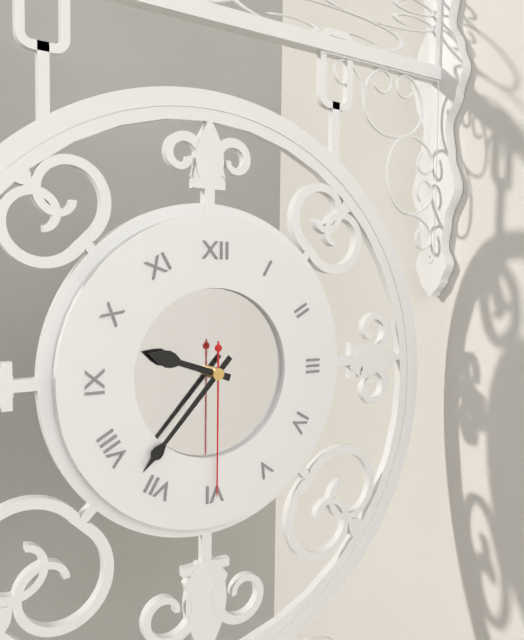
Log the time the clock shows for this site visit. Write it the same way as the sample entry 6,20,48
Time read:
9,37,30
